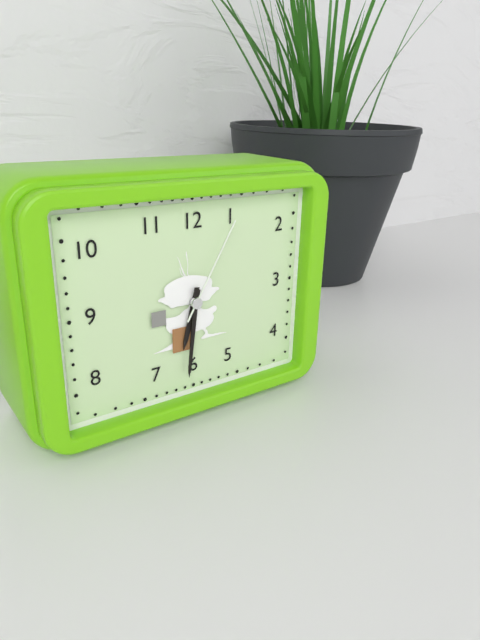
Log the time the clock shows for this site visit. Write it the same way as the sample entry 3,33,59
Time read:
6,31,05
